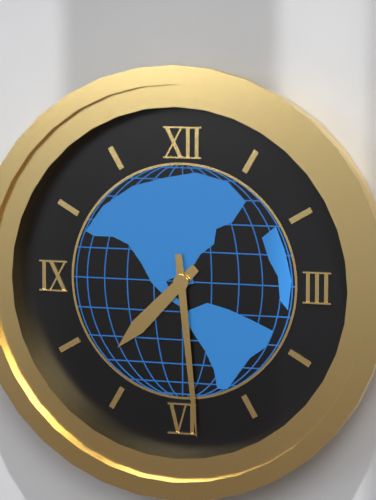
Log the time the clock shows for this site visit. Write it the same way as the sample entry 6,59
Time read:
7,29
